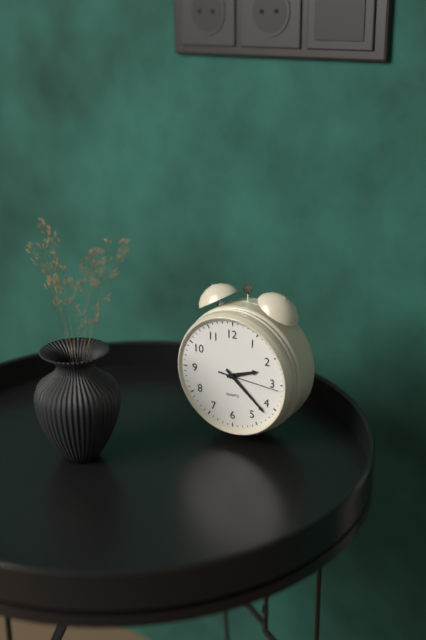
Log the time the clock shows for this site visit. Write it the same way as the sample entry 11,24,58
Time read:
2,22,16
